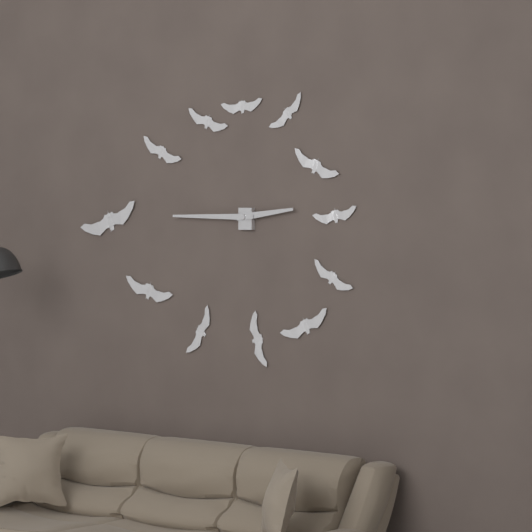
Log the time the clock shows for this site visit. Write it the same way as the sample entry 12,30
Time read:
2,45
